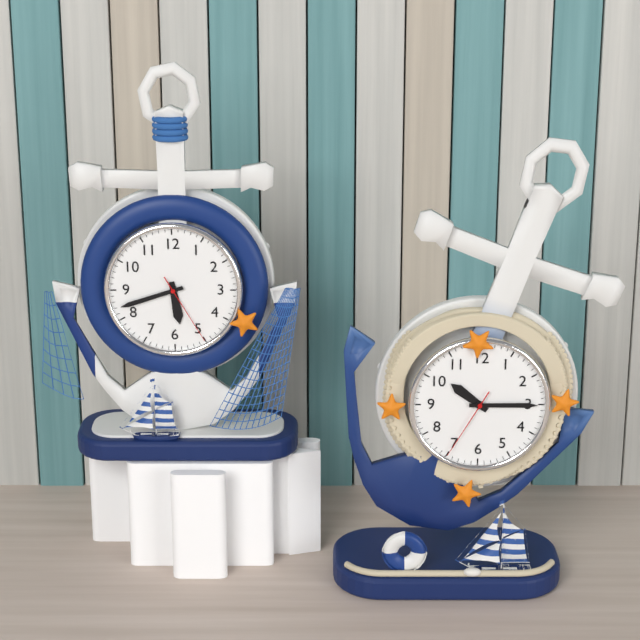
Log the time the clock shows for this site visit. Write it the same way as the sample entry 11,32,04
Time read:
5,42,25
